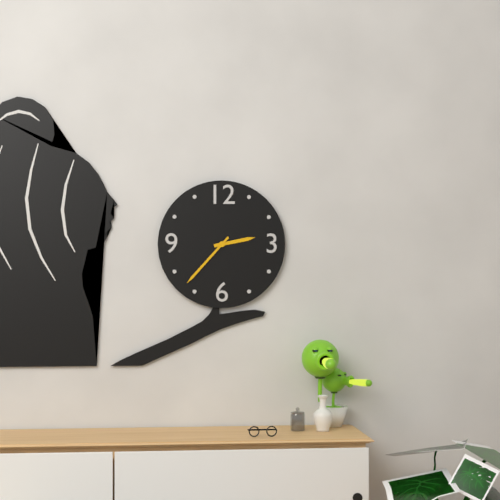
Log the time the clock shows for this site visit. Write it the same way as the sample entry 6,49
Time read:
2,37
